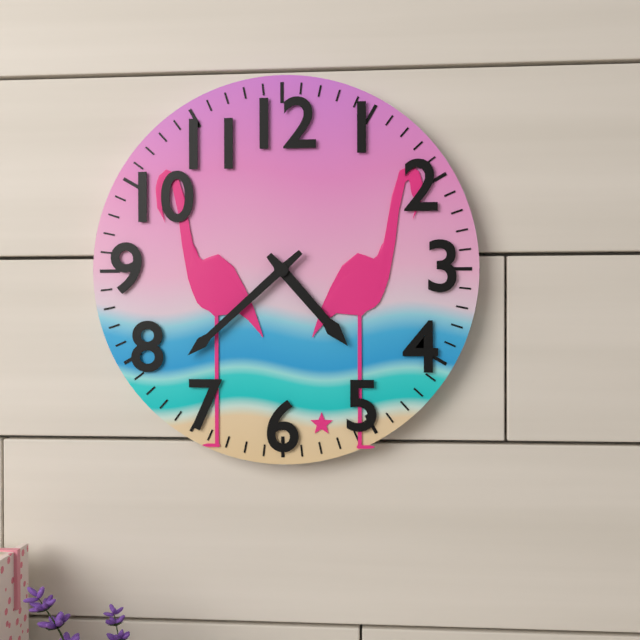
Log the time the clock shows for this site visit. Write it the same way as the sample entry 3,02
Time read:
4,38
